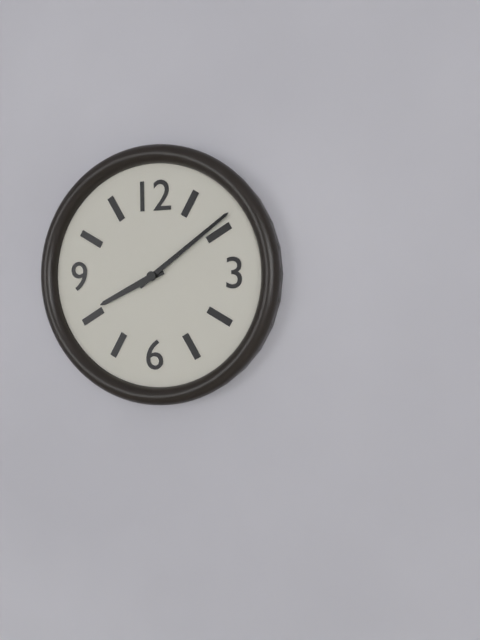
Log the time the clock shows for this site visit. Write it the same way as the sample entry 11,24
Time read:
8,09
